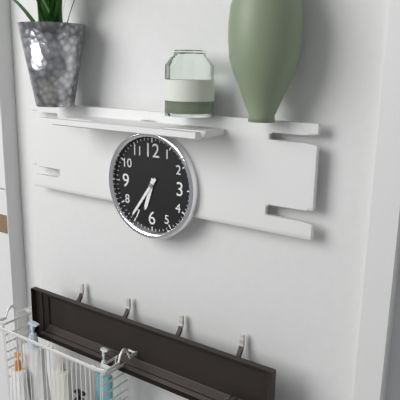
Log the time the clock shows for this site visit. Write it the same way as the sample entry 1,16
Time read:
6,36
